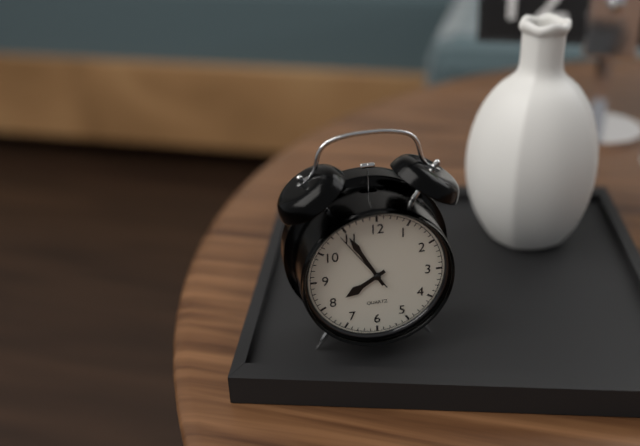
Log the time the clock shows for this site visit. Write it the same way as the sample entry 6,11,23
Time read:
7,55,54
